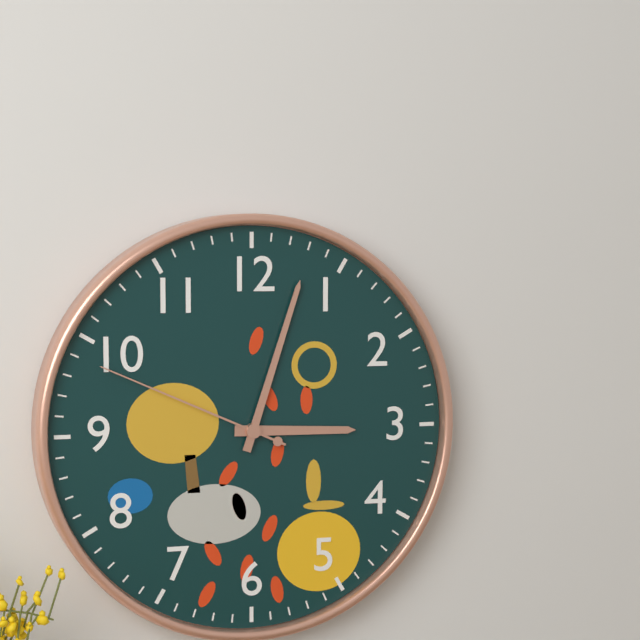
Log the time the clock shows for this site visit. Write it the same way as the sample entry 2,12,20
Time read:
3,03,49
